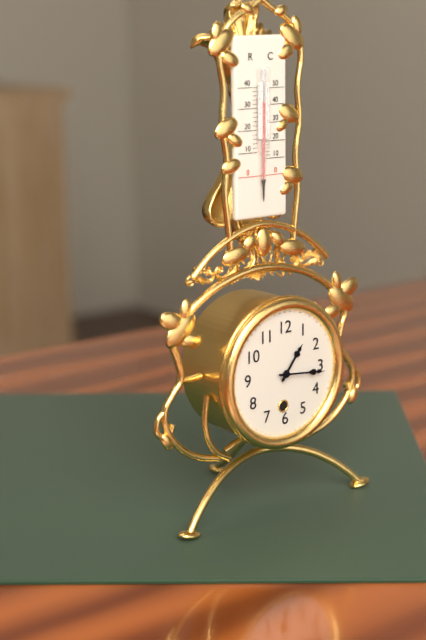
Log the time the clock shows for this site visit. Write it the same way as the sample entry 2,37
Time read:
1,16
